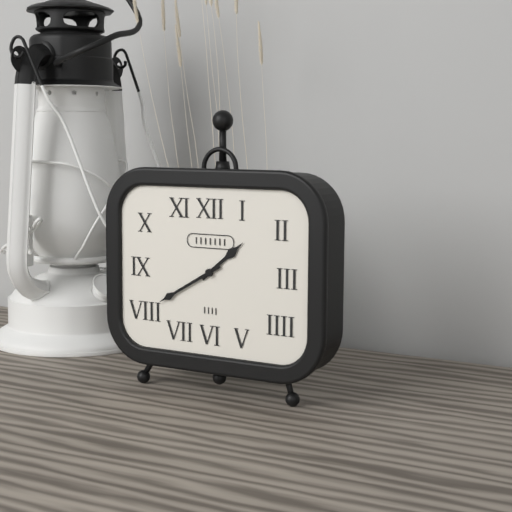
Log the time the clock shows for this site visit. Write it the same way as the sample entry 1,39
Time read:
1,40
